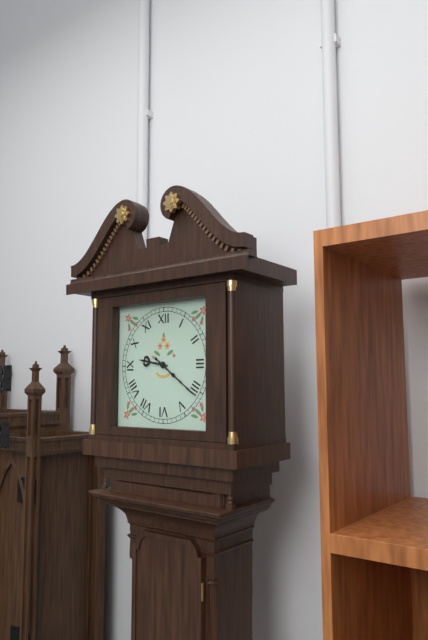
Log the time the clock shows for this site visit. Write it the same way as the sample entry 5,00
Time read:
9,21
